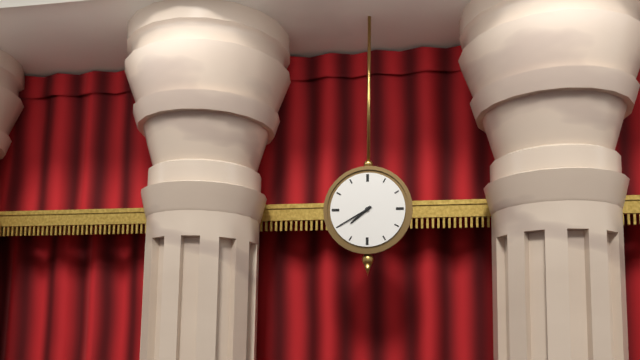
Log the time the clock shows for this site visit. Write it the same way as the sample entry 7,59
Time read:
7,40
